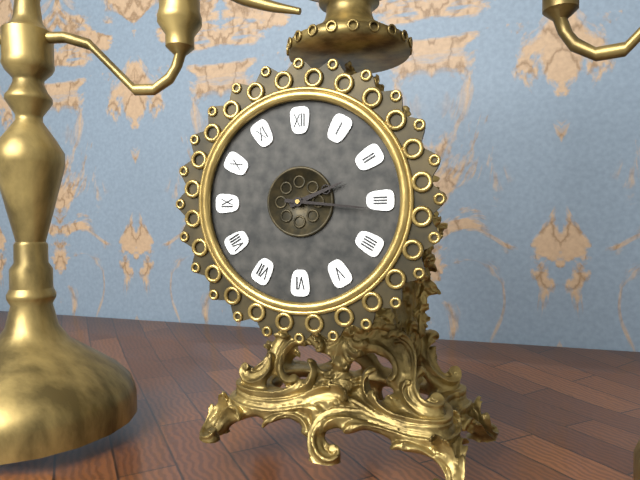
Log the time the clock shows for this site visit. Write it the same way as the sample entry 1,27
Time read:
2,16
